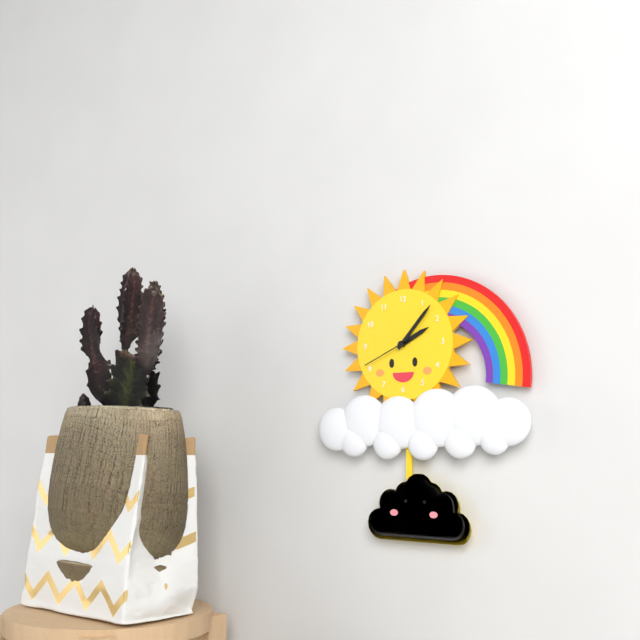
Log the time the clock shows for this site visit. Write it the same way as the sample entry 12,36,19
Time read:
2,07,41
